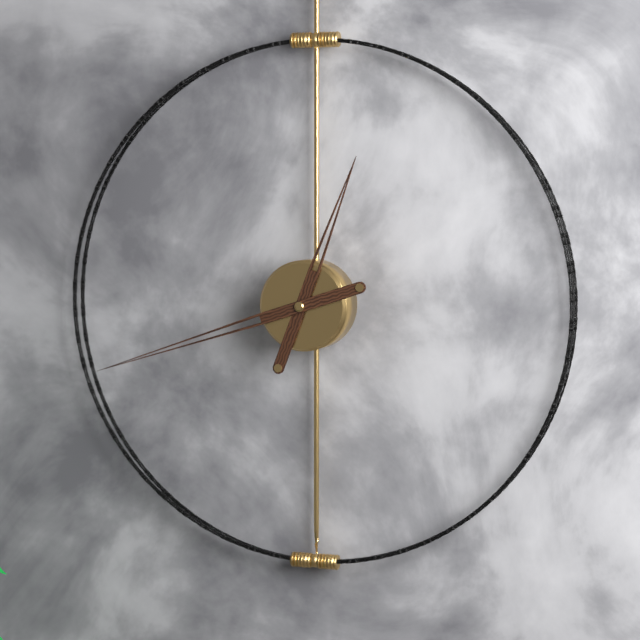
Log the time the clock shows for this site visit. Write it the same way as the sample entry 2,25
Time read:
12,42
